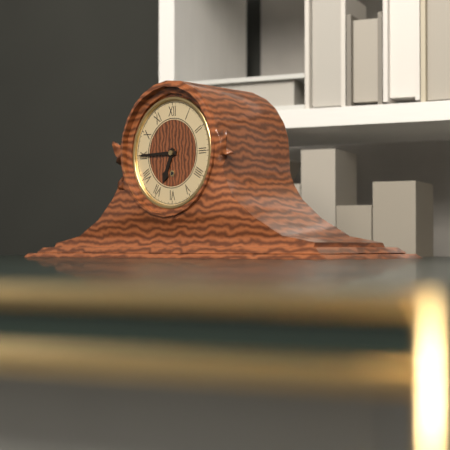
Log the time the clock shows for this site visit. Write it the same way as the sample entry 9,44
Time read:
6,45
